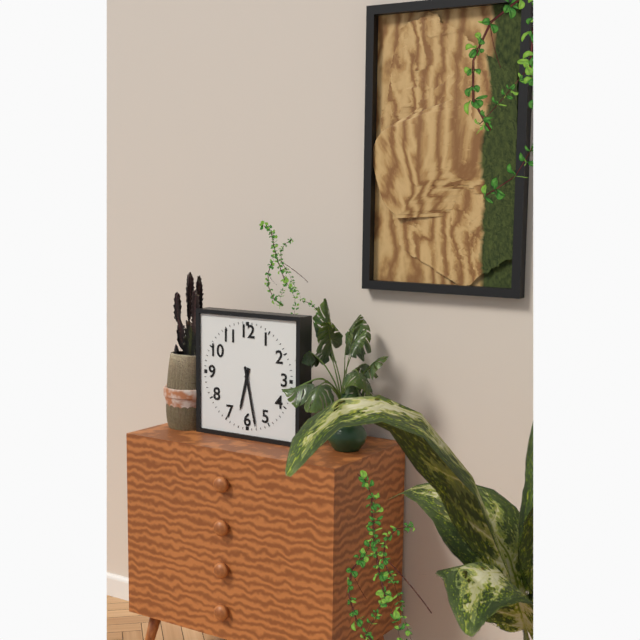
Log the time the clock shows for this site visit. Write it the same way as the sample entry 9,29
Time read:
6,28
